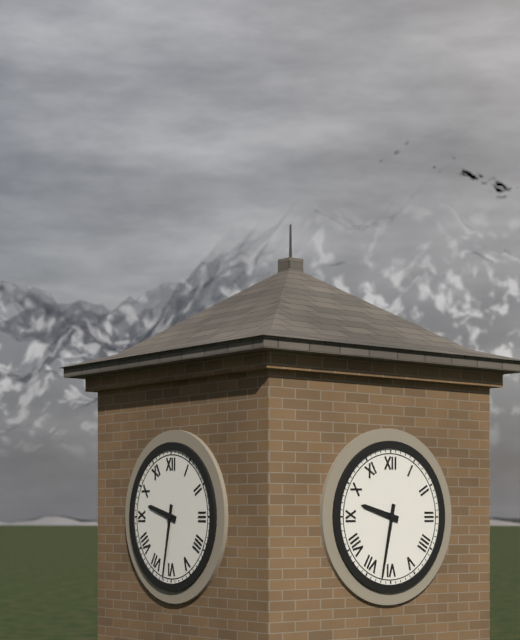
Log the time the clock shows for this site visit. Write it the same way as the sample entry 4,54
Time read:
9,32
